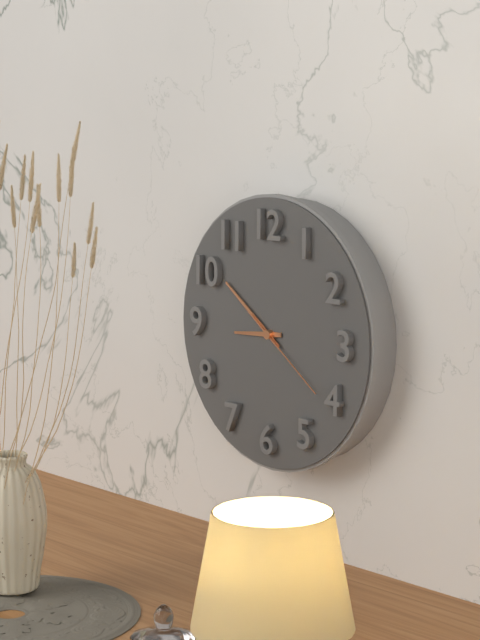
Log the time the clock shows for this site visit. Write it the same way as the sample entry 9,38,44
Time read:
8,51,21
